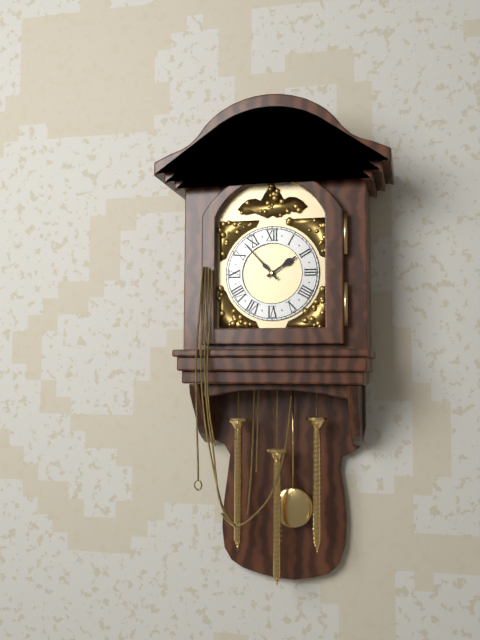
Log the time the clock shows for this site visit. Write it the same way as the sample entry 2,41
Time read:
1,53
